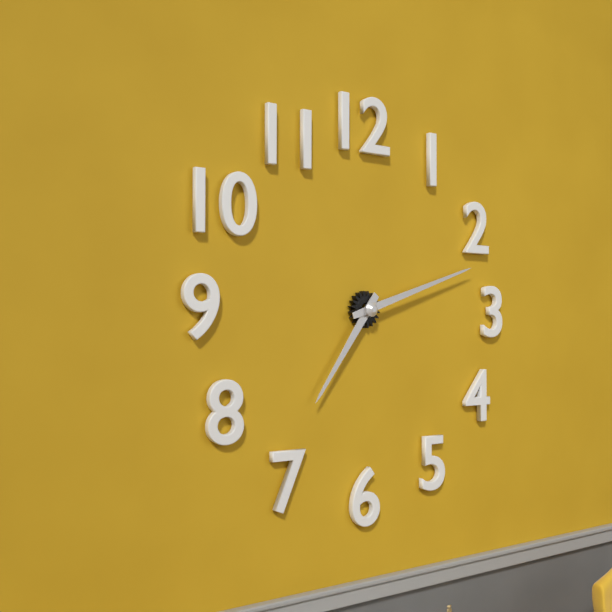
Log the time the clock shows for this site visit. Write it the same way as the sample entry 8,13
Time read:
7,12
